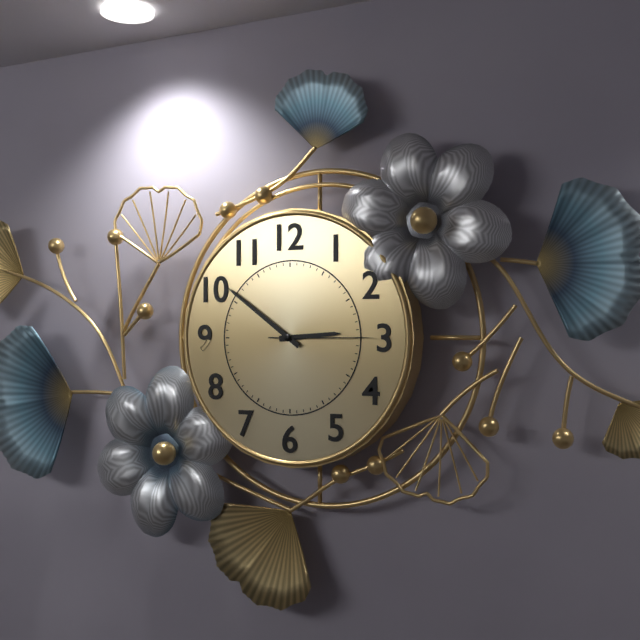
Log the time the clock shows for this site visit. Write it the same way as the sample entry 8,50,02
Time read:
2,51,15
